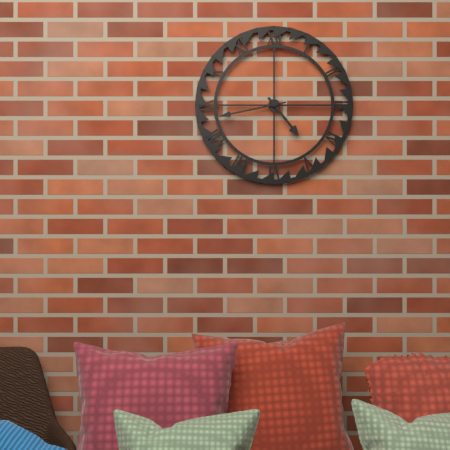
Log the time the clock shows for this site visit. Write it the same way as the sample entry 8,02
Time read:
4,43
